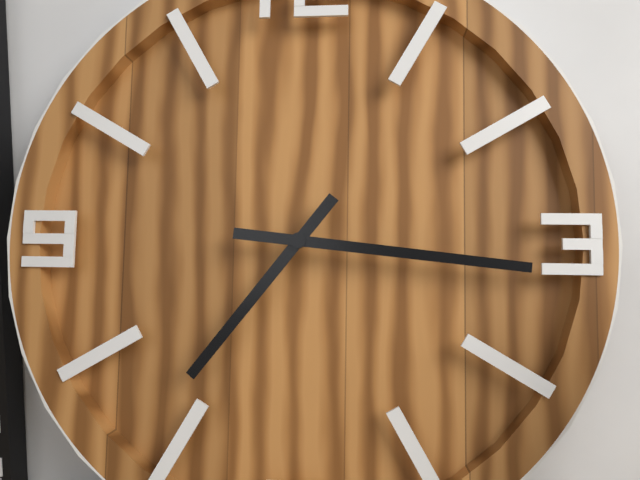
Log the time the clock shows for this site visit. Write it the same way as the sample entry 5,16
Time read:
7,16
